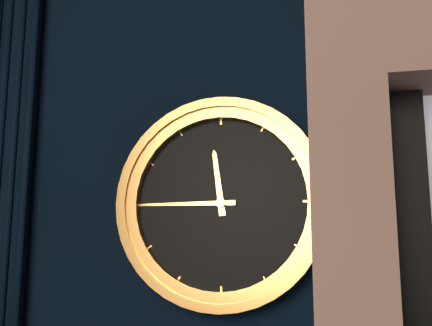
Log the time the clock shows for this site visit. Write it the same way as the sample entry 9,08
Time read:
11,45
